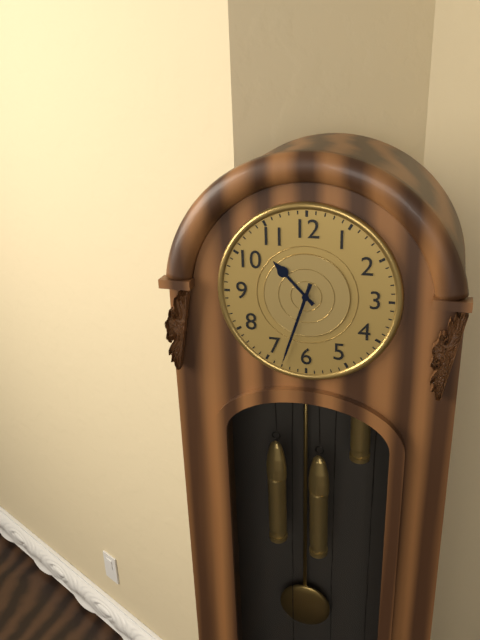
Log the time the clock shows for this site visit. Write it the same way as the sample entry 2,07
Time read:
10,33
